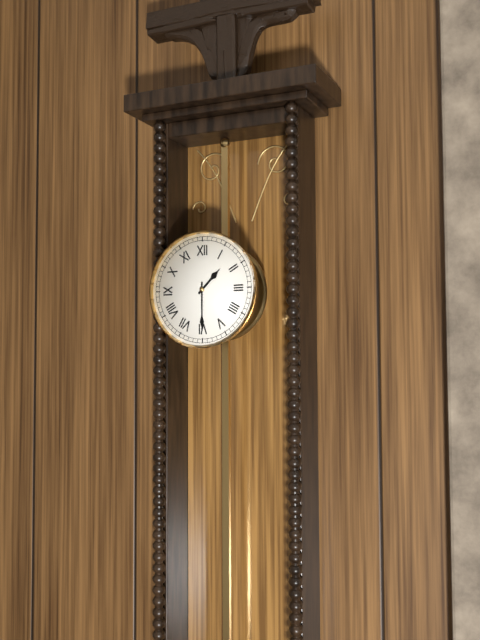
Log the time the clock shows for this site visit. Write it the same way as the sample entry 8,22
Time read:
1,30
